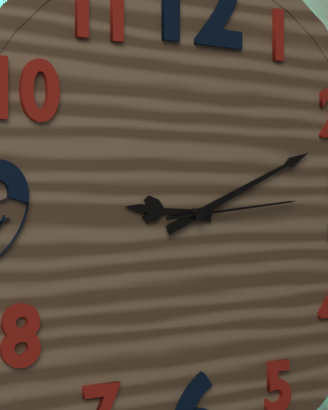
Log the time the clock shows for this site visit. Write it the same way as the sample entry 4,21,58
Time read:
9,11,14
